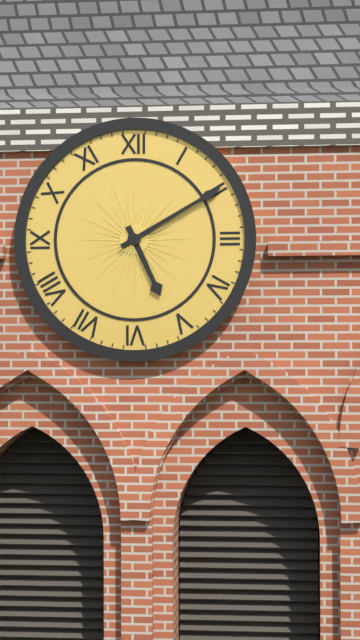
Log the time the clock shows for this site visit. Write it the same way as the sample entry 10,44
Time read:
5,10
